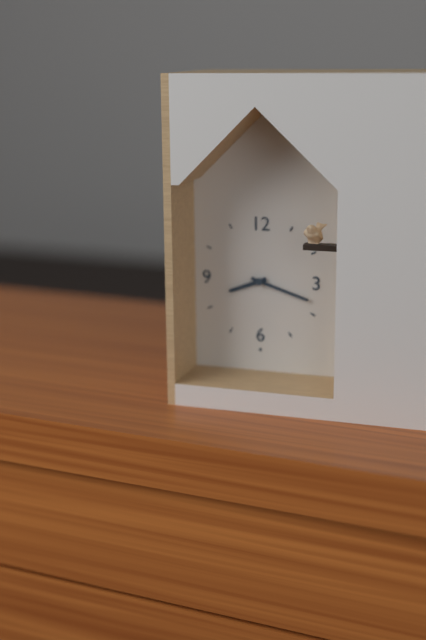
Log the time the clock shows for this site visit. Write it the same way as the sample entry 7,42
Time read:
8,18
